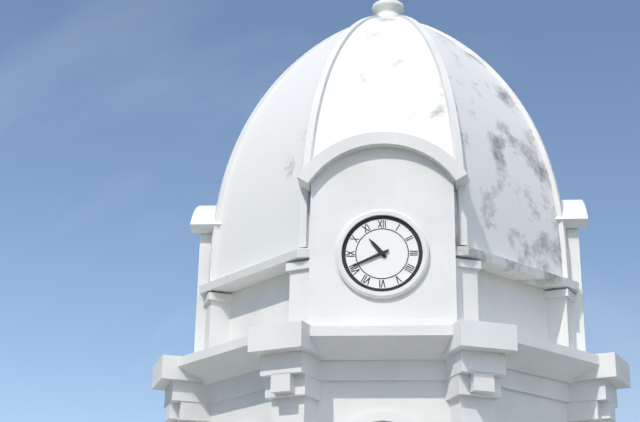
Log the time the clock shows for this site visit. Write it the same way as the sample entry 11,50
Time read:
10,41
